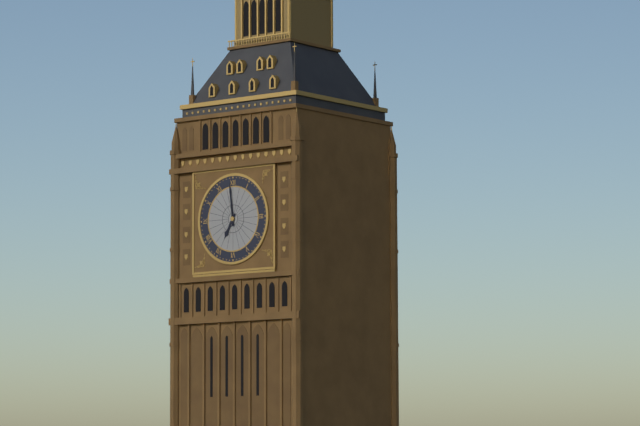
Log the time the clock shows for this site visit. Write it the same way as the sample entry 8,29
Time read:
6,59
